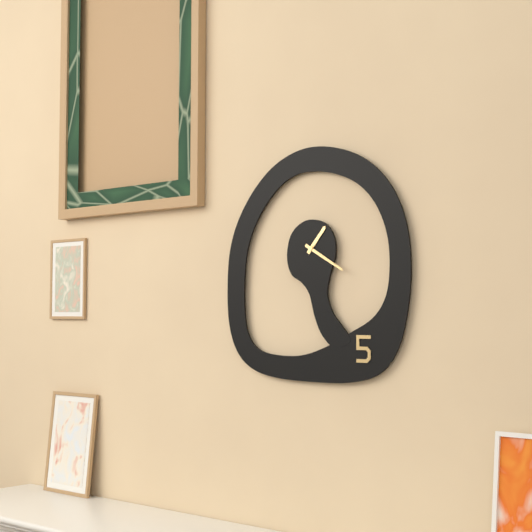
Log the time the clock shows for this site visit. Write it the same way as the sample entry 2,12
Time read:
1,20
